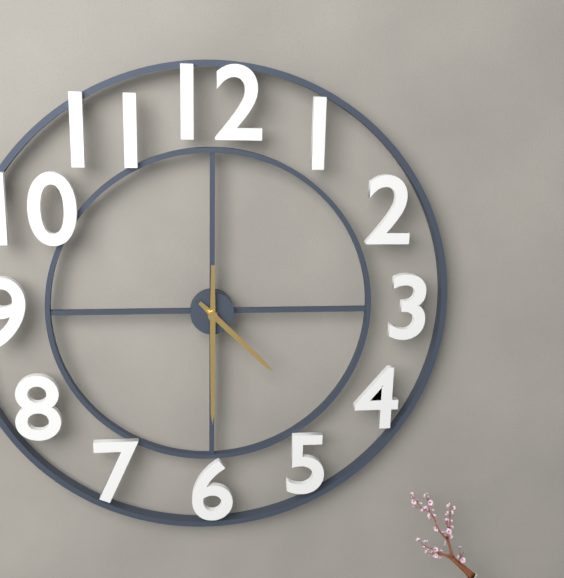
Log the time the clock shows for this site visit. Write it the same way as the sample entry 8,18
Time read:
4,30
